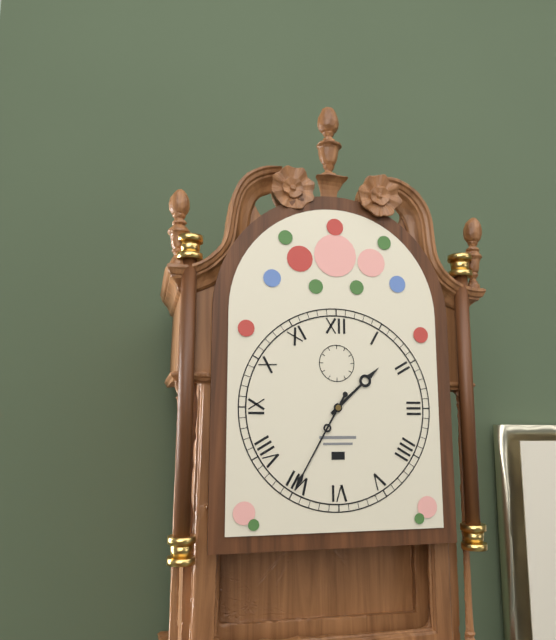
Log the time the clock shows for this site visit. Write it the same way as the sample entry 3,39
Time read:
1,35
